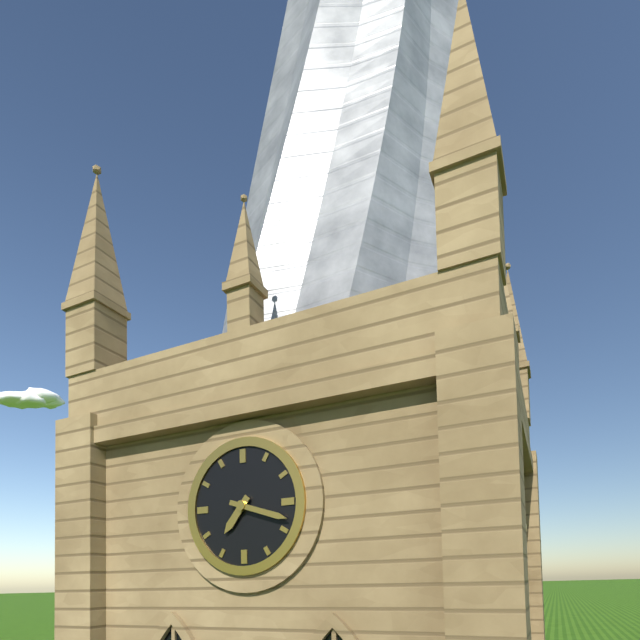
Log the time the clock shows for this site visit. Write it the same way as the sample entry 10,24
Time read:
7,18
